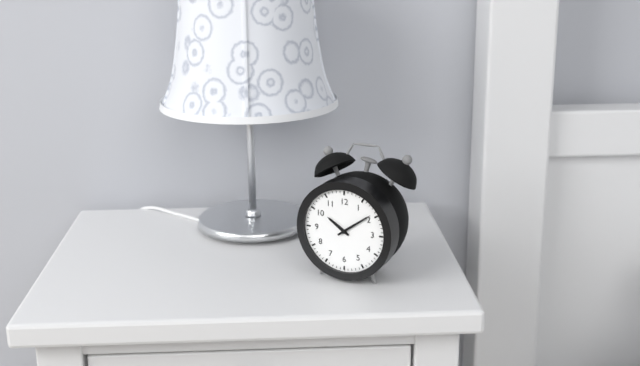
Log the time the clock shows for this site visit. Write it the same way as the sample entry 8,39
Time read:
10,09
